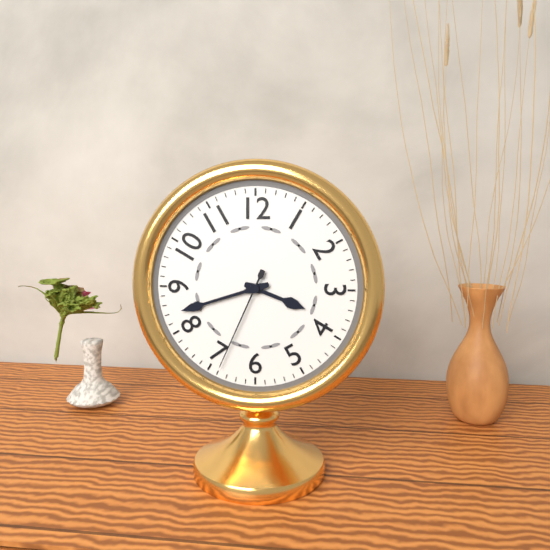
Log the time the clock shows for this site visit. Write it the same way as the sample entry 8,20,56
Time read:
3,42,34
